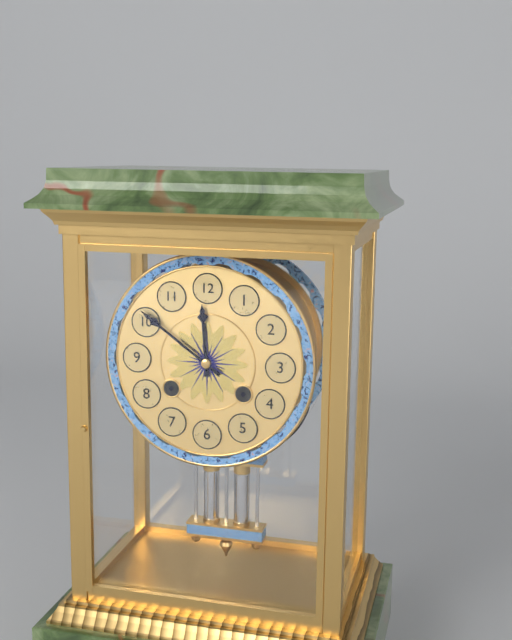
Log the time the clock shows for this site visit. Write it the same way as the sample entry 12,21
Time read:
11,51
